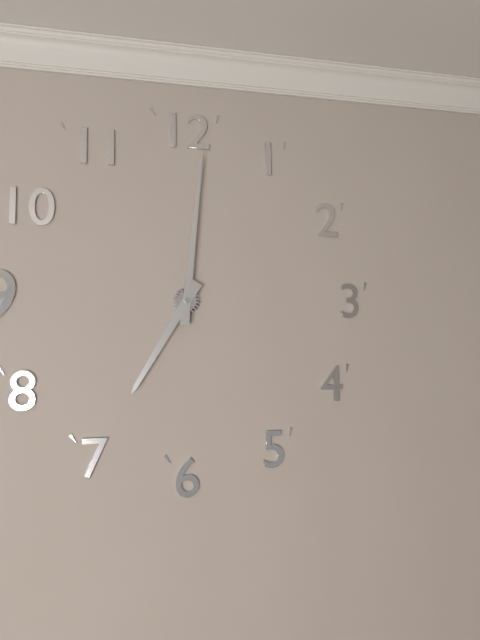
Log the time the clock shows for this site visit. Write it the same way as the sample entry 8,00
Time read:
7,01
